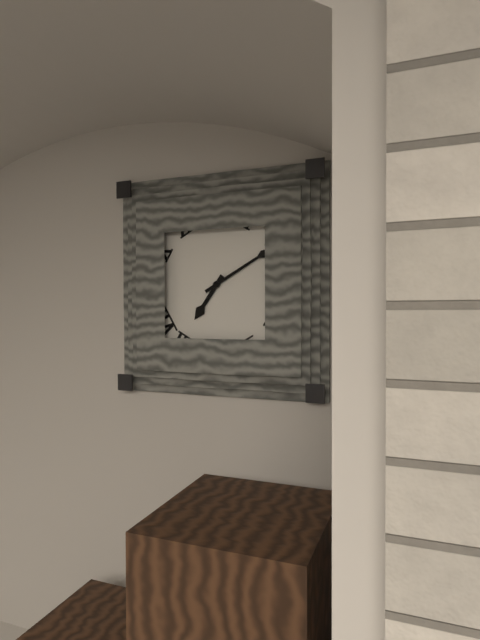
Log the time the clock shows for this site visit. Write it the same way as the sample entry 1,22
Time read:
7,10
